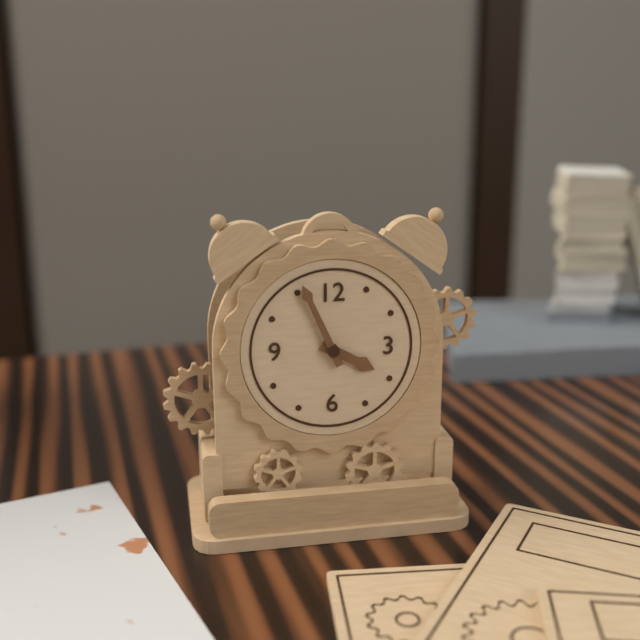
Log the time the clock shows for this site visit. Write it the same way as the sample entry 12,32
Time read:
3,56
